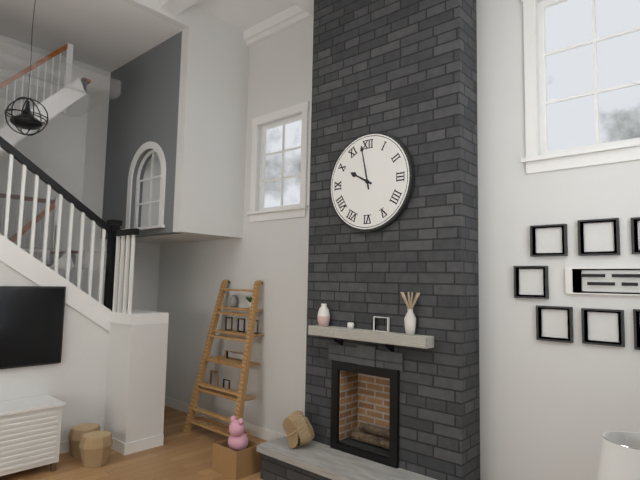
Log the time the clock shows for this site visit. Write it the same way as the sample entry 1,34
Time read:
9,58
